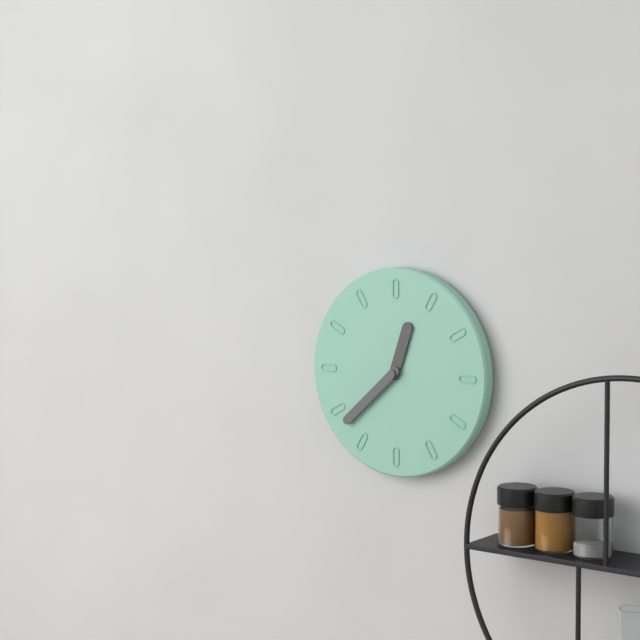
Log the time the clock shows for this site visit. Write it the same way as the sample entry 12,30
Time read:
12,38
